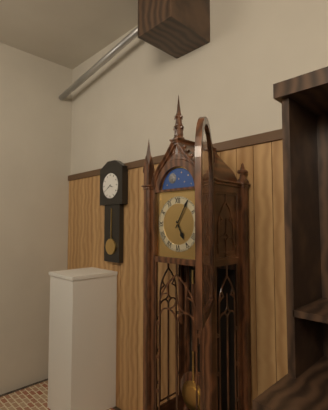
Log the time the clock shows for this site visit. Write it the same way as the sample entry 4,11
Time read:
5,05
